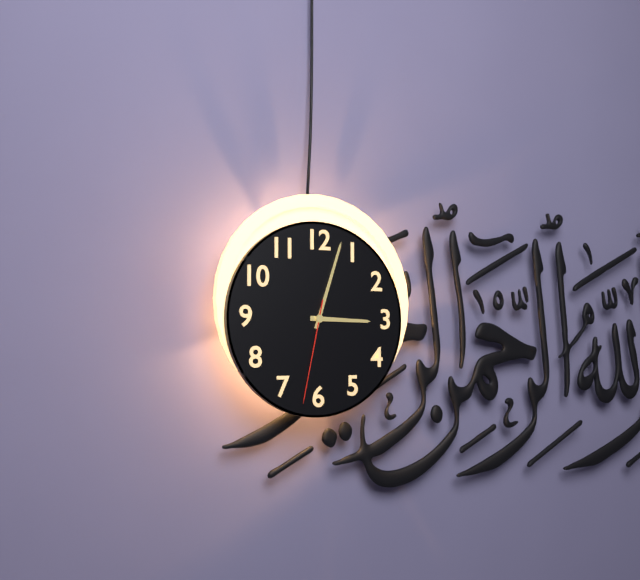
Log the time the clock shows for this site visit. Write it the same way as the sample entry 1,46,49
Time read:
3,03,32
